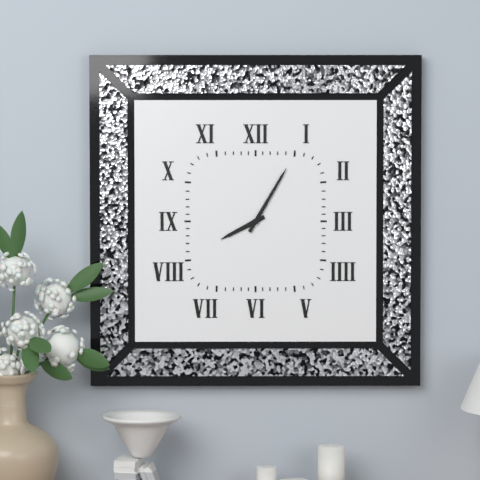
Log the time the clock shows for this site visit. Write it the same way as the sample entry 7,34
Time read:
8,05
